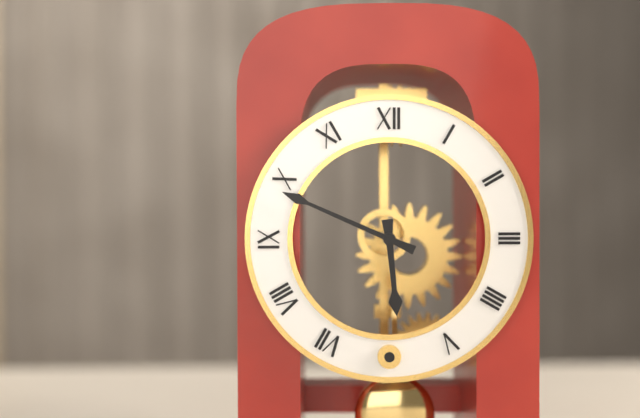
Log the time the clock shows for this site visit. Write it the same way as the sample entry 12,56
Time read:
5,49
